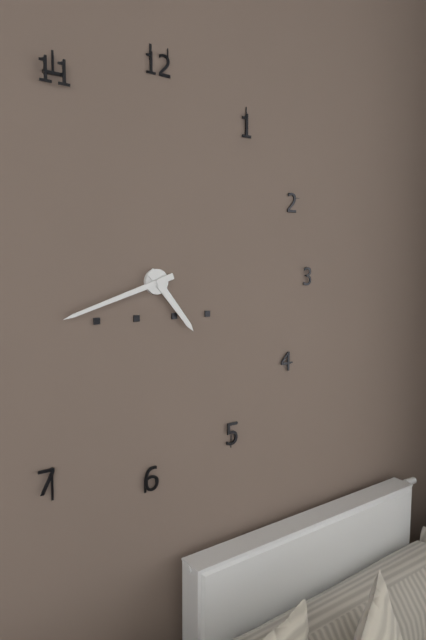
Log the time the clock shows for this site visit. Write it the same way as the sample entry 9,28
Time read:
4,42
